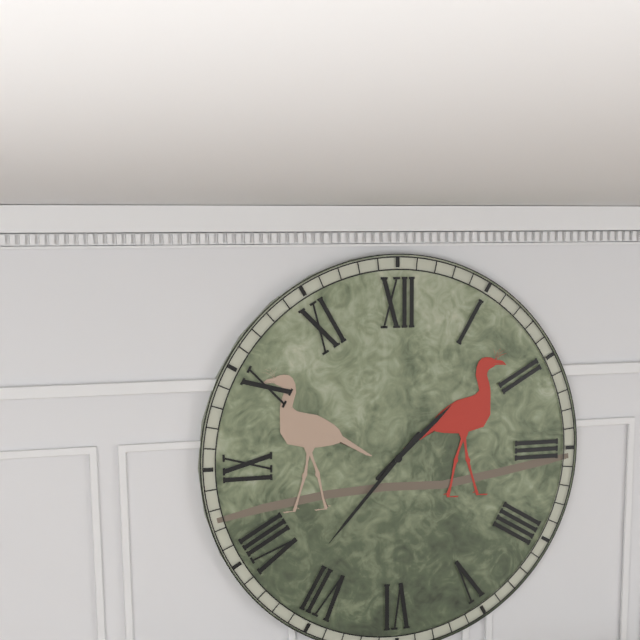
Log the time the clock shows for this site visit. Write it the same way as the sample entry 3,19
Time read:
1,37
